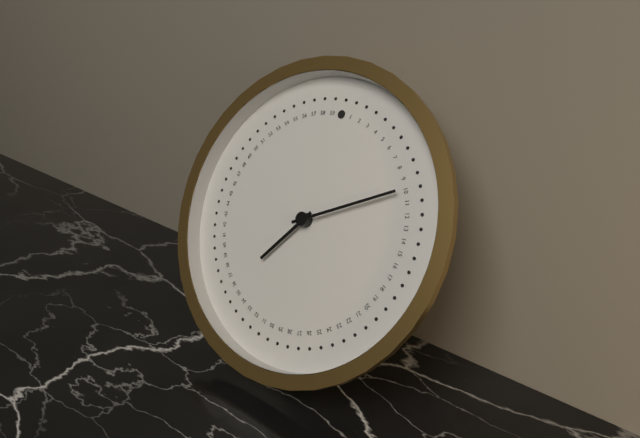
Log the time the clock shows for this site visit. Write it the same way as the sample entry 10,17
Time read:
7,10
